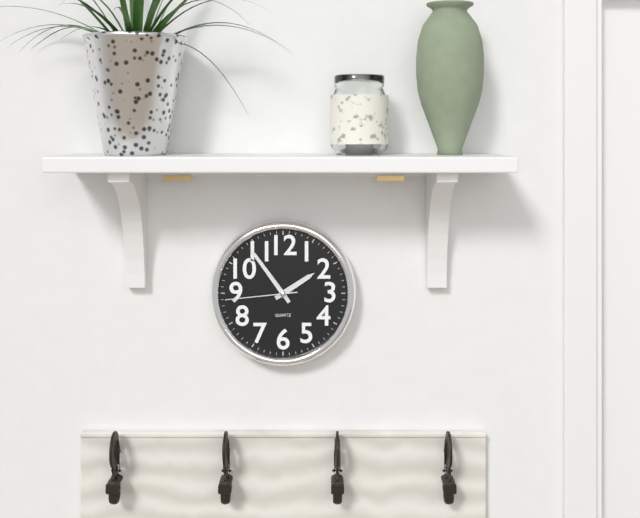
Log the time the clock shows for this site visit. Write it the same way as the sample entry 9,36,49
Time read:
1,54,44
